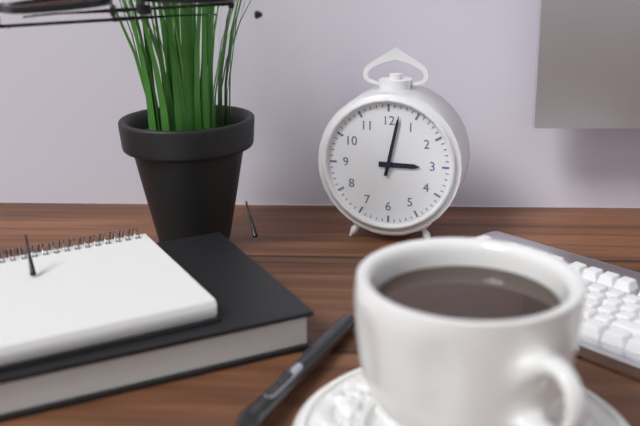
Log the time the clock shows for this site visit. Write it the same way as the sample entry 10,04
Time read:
3,02
